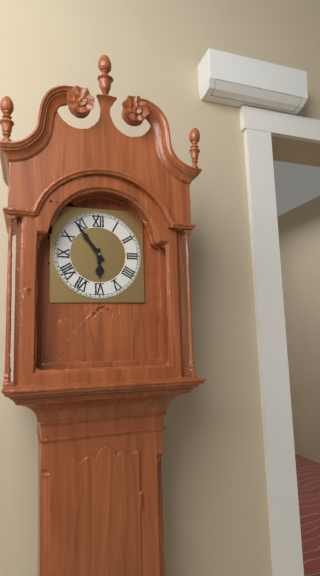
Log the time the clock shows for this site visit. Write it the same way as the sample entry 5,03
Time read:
5,54
